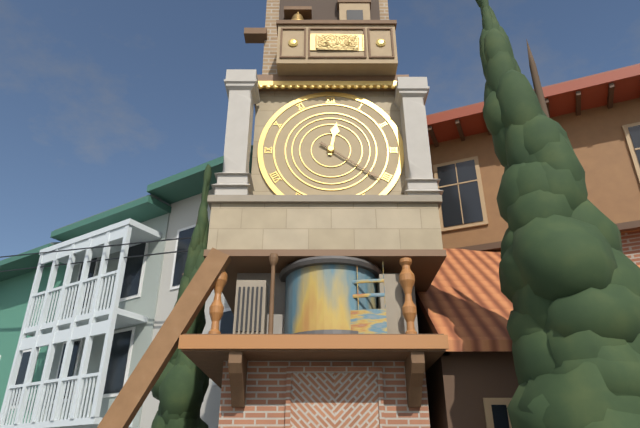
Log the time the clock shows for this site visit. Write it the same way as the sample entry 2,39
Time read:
12,21
